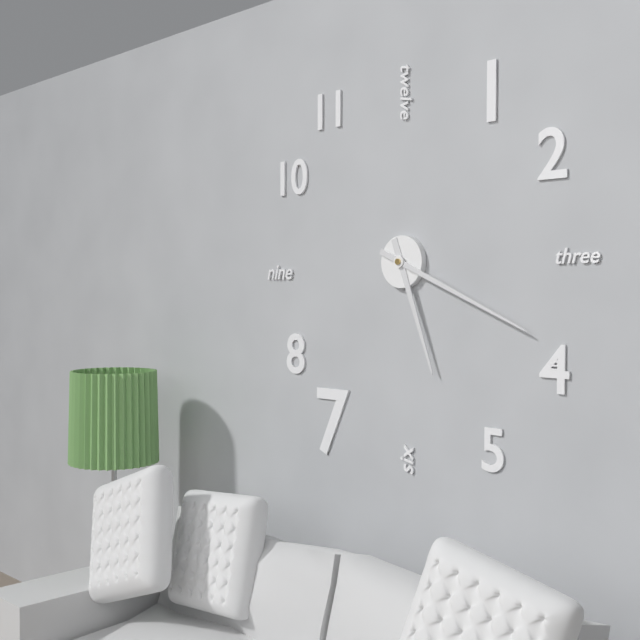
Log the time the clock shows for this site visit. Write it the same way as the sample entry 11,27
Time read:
5,19
